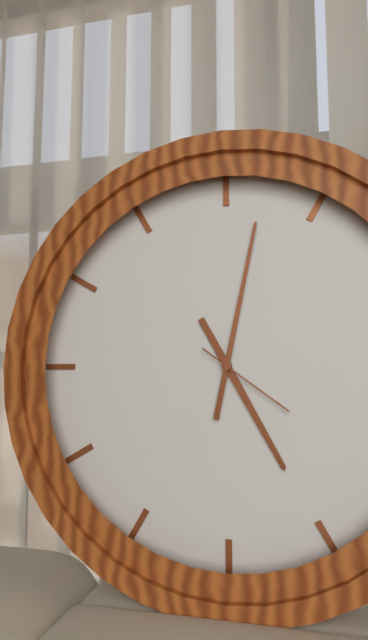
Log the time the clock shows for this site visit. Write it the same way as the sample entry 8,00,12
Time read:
5,02,21
